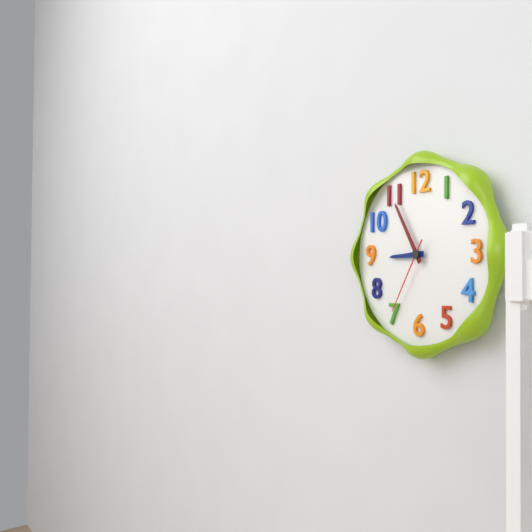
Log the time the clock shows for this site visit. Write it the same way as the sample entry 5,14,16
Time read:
8,55,35
